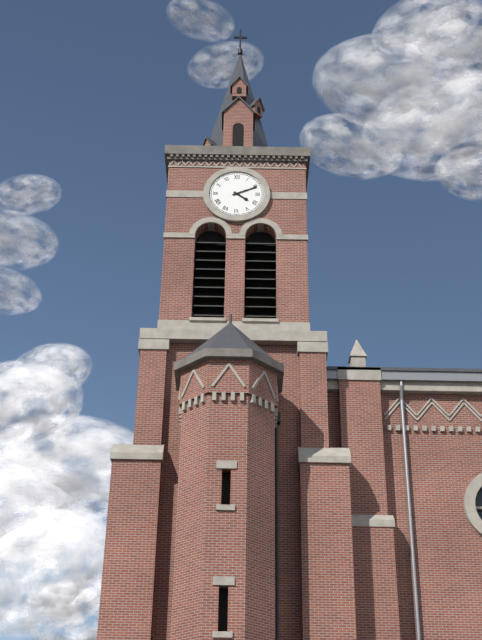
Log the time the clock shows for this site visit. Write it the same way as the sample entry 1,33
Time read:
4,11
